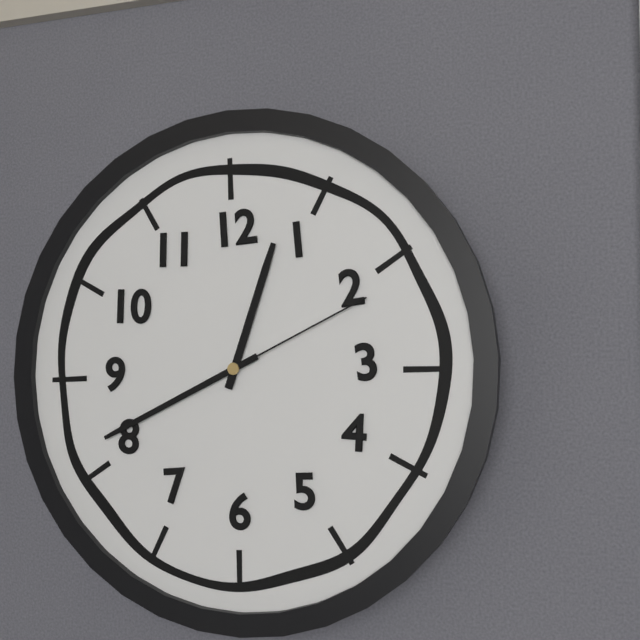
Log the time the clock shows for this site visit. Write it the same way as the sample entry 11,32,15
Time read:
12,41,11
